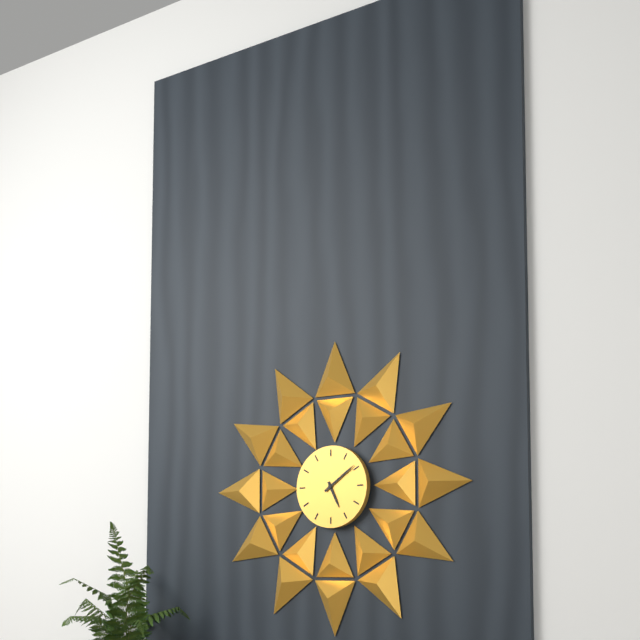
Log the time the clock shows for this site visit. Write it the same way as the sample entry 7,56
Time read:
5,09
